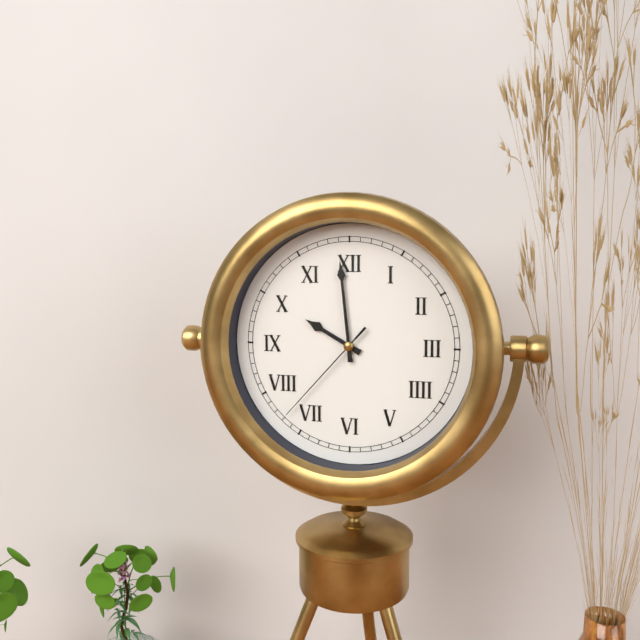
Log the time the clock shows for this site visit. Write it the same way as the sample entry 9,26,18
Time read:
9,59,37
